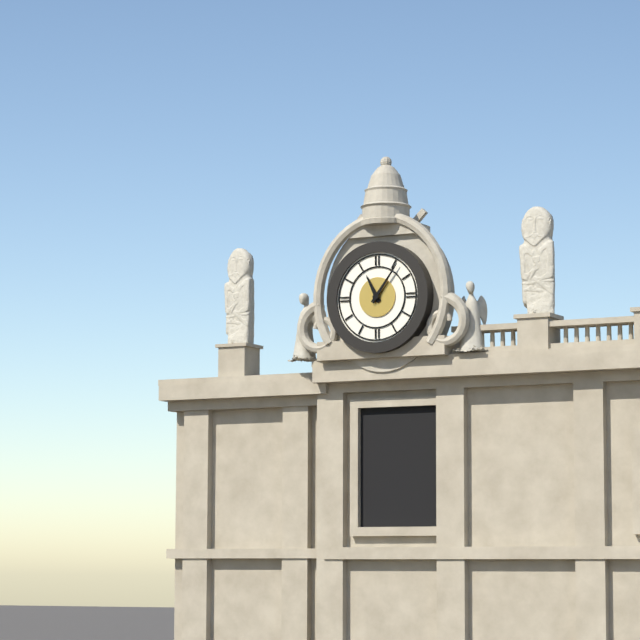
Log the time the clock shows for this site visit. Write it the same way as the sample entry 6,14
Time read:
11,06
